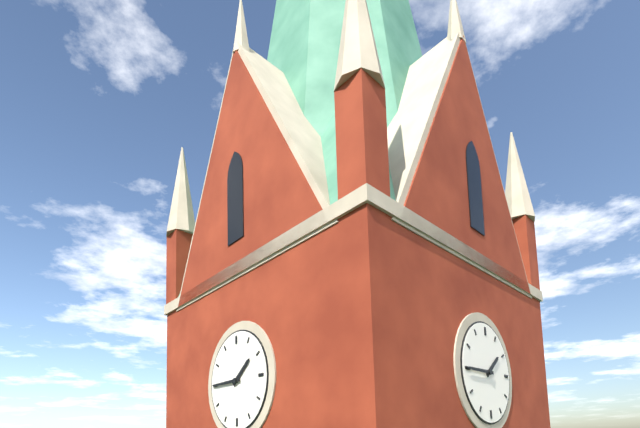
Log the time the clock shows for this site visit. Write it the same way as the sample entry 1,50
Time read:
1,45
